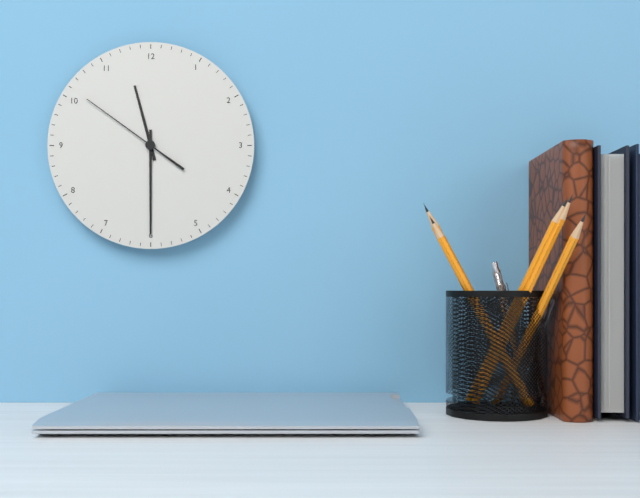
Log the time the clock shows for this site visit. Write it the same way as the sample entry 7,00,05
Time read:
11,30,51
